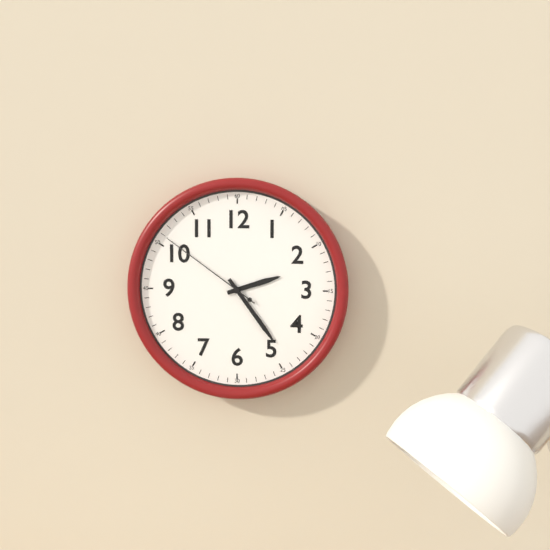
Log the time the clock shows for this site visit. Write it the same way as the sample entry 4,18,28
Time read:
2,24,51
